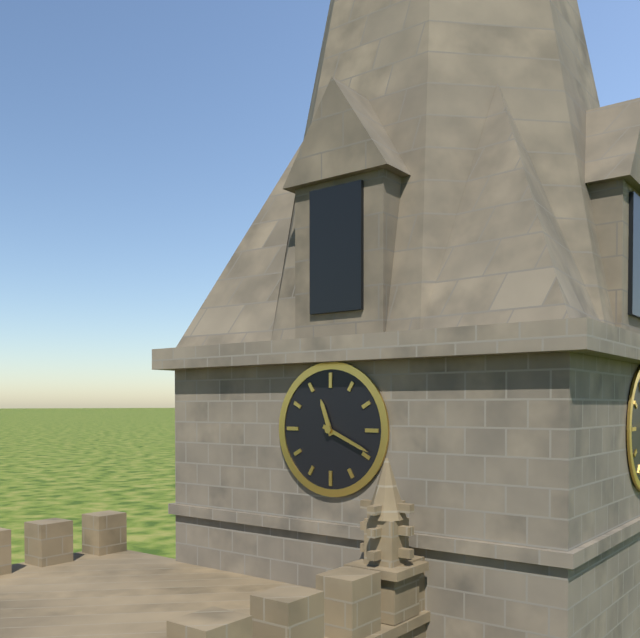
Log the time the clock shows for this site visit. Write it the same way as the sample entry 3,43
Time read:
11,19
